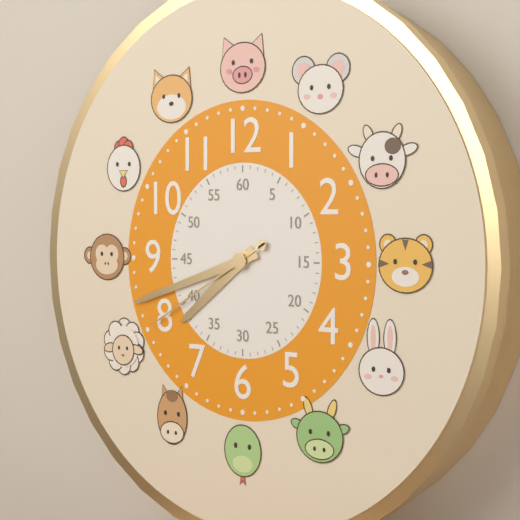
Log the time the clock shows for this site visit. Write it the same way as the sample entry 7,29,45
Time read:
7,42,40
